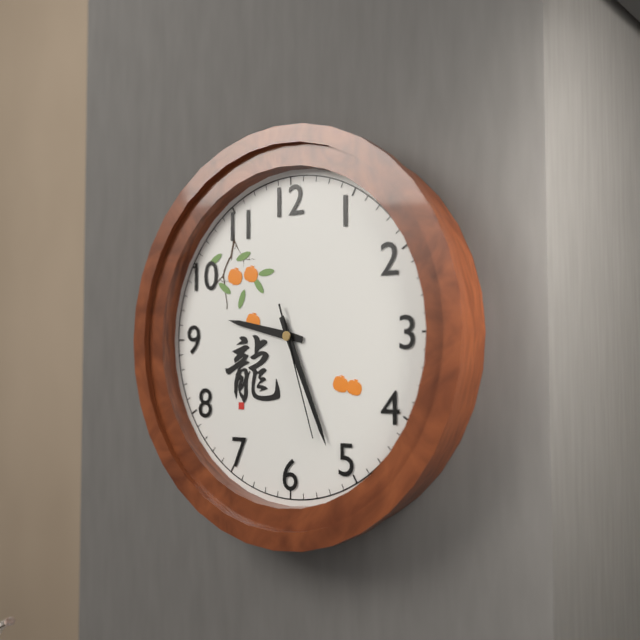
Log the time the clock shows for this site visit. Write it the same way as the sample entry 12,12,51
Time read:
9,26,27
